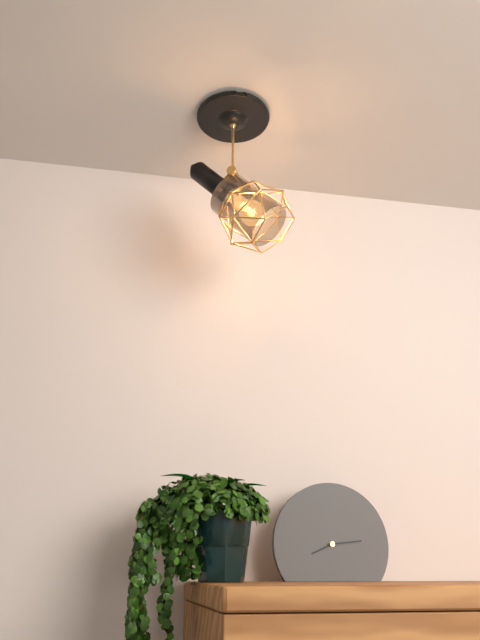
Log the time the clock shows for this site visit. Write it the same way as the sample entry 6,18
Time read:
8,14
